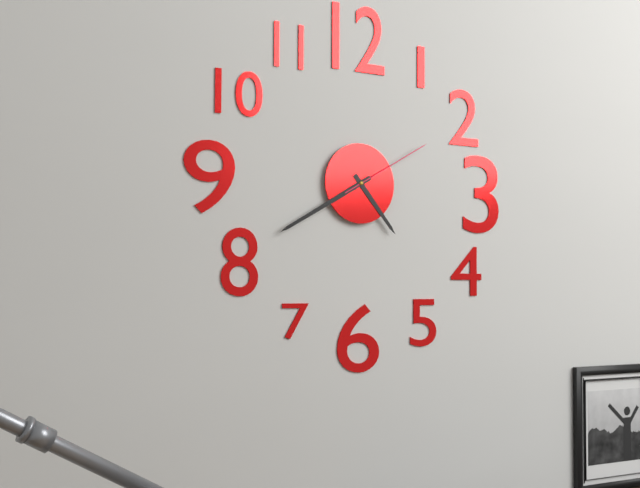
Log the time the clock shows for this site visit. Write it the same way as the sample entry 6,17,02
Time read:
4,40,10
